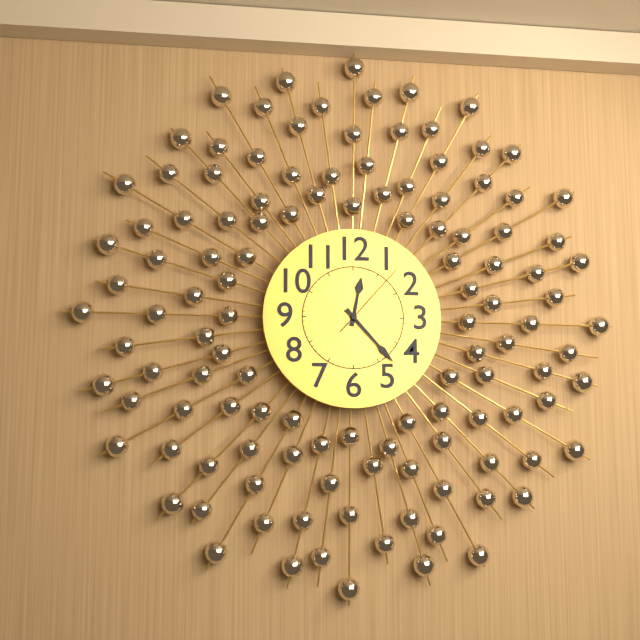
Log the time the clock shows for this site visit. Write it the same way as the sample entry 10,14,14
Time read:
12,23,07
